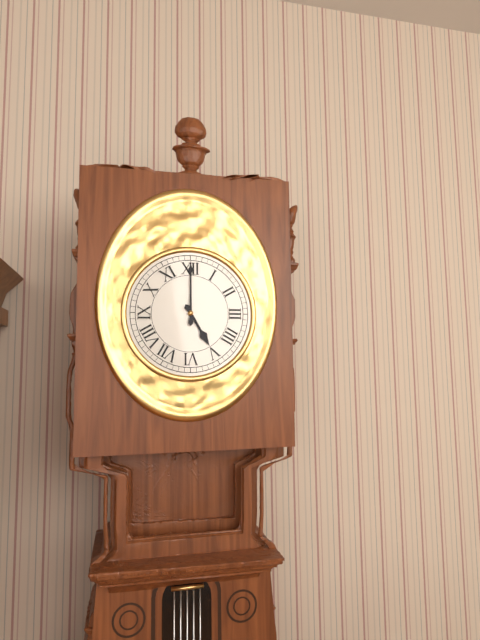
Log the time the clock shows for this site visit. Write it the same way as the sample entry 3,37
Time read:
5,00
